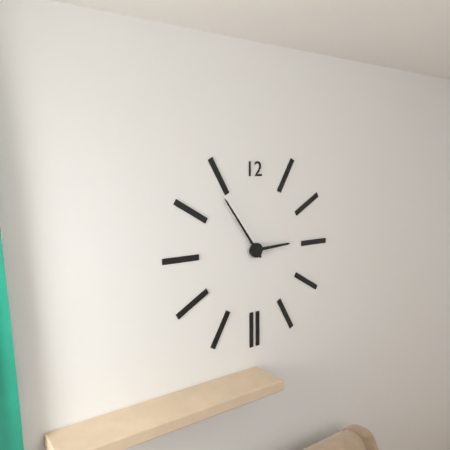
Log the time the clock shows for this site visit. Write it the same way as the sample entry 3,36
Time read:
2,54
